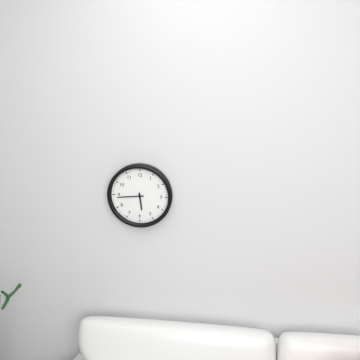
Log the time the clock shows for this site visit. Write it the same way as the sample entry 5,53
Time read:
5,44
